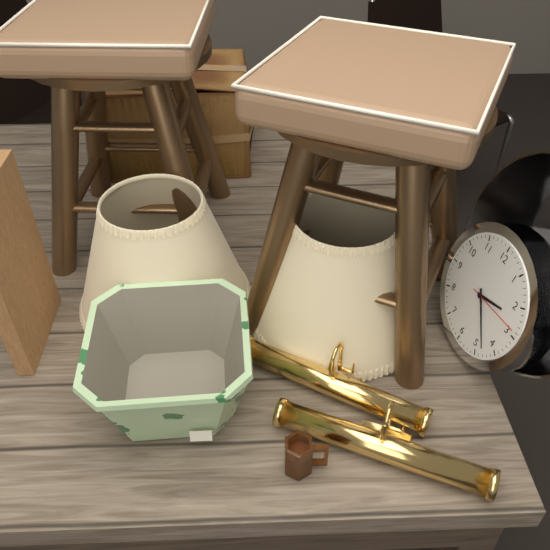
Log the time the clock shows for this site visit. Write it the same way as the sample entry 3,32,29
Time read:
2,23,14
